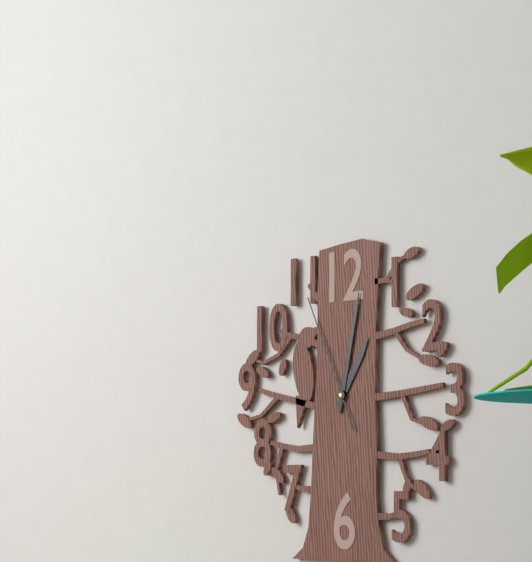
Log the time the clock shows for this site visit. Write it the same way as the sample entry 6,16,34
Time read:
1,02,56
